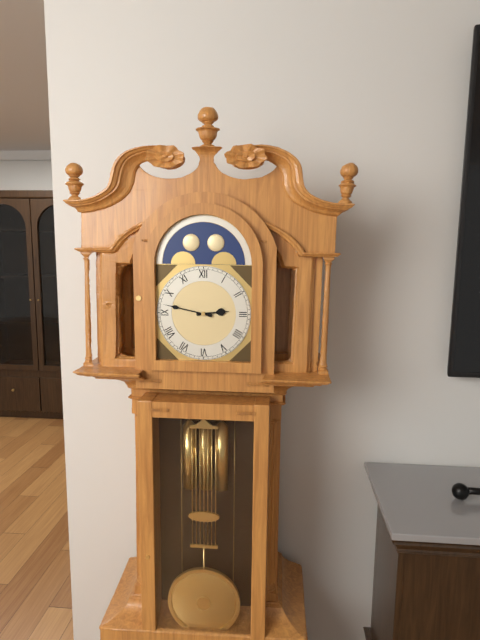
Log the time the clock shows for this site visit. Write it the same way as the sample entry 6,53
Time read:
2,47
